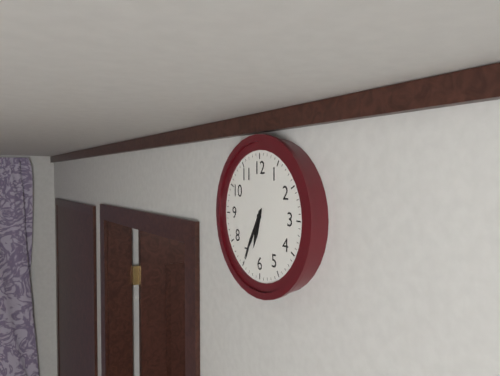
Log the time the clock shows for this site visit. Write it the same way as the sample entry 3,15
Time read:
6,35
